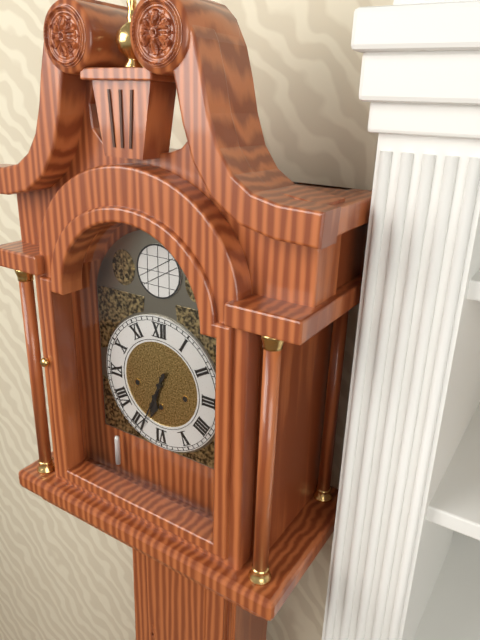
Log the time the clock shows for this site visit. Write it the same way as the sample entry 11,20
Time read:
6,34
